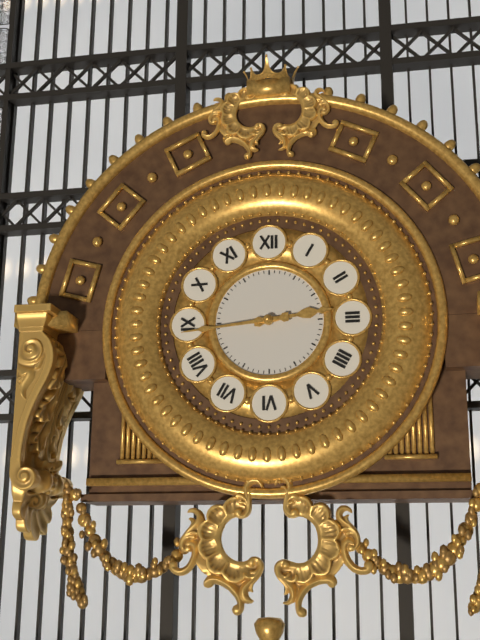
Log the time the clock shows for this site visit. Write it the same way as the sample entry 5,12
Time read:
2,44
